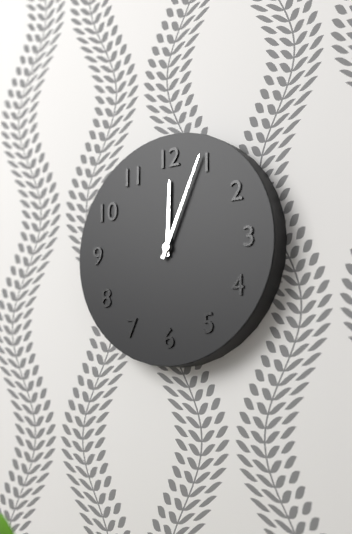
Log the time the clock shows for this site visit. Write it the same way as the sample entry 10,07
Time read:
12,04
